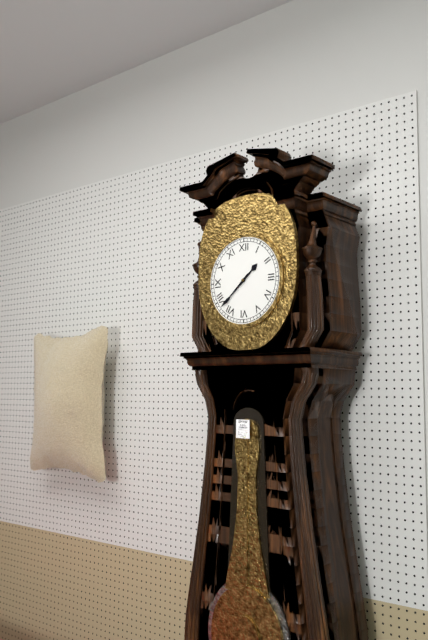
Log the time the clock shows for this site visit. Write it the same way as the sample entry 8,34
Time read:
1,38
